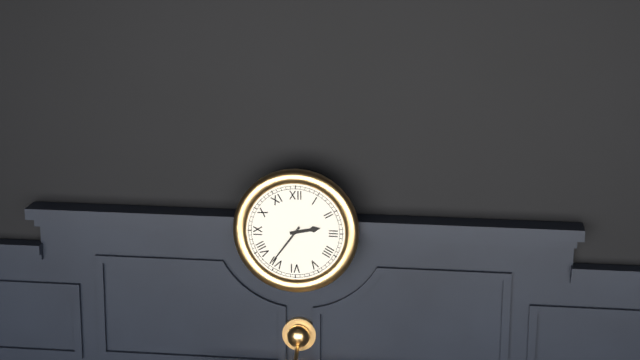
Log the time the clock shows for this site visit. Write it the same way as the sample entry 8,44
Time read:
2,36
